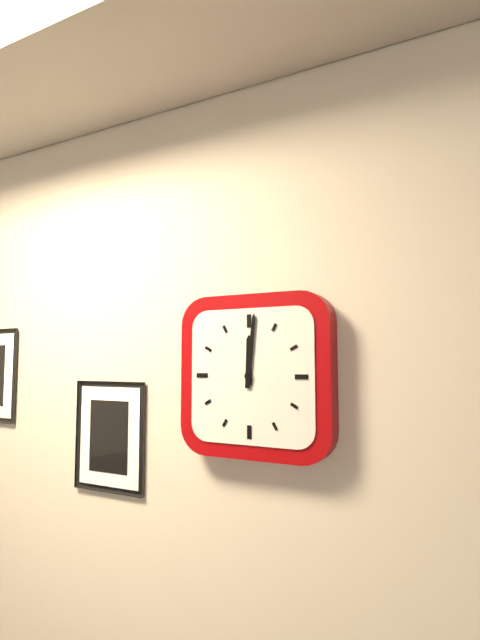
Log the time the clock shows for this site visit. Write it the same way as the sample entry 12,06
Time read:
12,01
